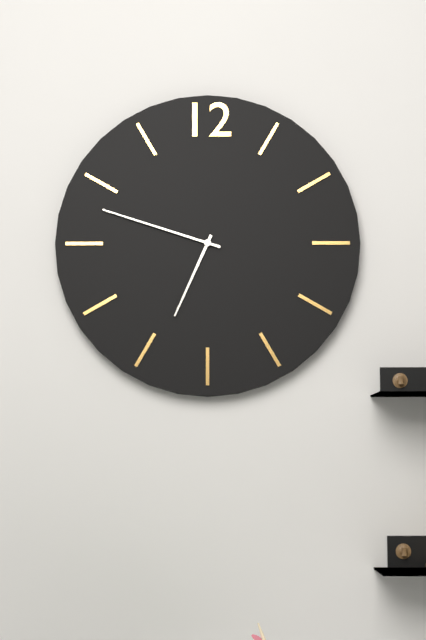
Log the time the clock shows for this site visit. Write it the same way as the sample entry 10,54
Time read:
6,48
